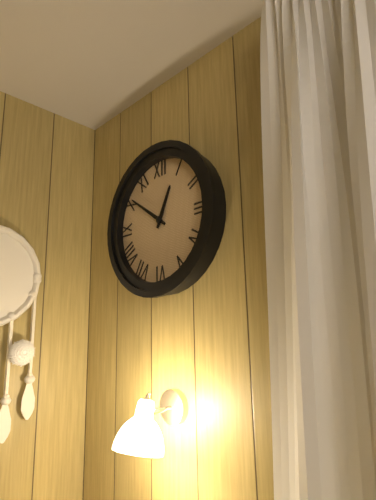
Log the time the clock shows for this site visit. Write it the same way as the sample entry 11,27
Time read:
12,51
